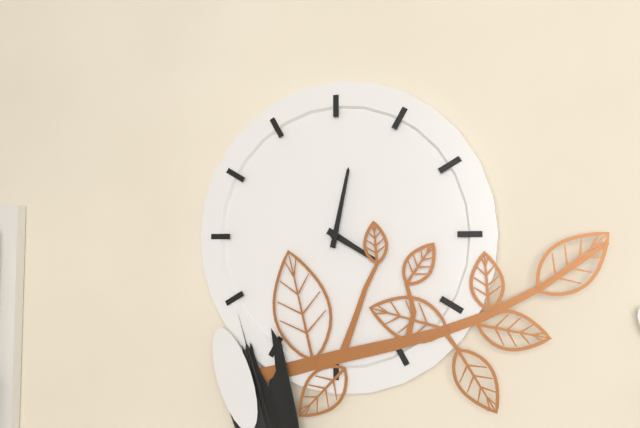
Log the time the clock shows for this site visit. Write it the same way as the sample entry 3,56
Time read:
4,02
